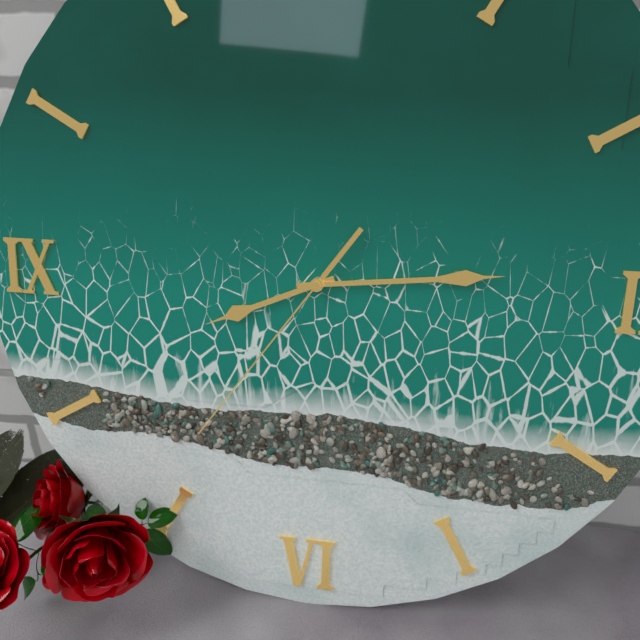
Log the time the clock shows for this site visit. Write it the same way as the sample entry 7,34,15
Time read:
8,14,36
